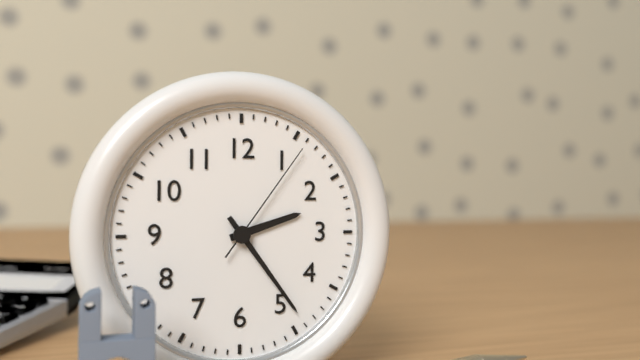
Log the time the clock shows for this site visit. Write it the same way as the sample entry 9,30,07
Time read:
2,24,06
